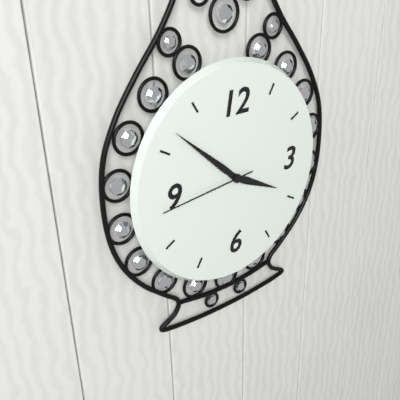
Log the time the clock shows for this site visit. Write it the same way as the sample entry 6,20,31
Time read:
3,52,44
